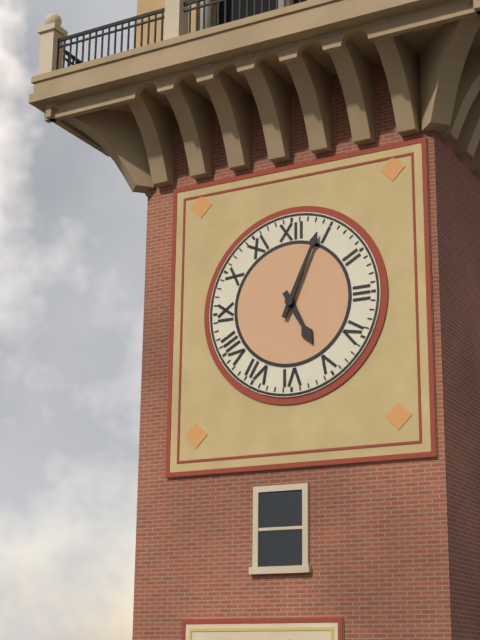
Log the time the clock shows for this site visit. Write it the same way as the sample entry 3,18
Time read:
5,04
